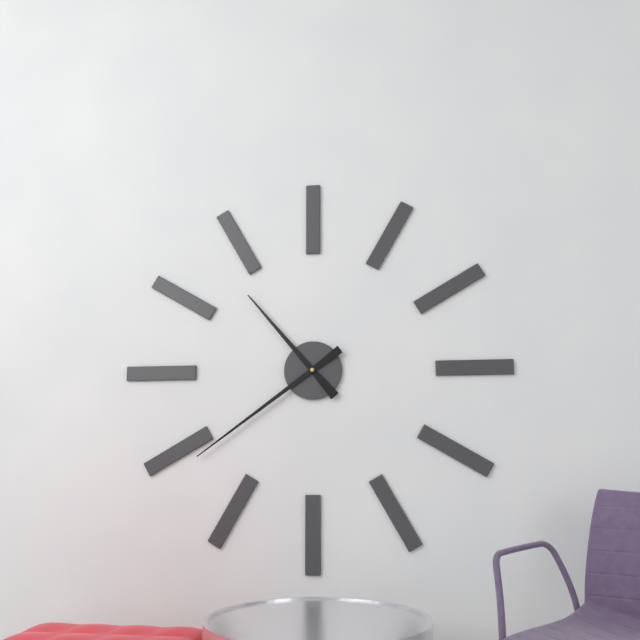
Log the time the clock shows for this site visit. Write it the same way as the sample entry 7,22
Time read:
10,39
